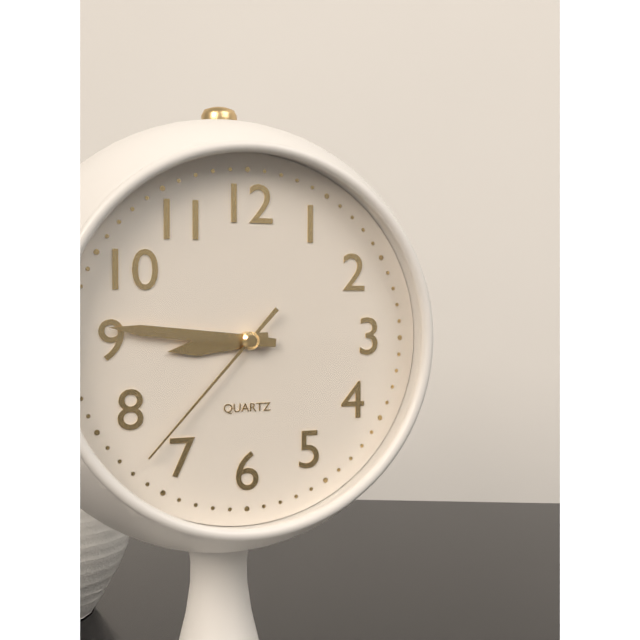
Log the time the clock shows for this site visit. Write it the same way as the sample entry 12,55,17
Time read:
8,46,37
